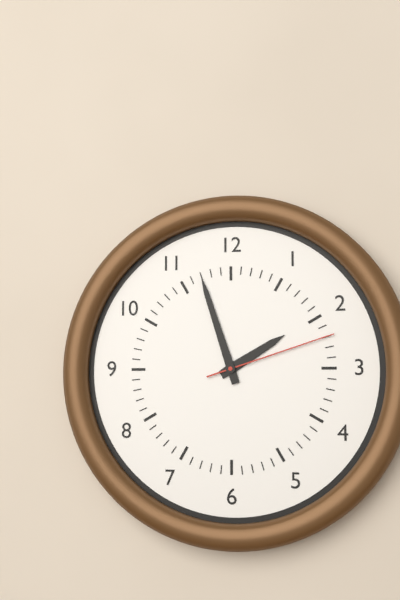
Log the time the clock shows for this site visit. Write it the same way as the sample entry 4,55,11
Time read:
1,57,12
